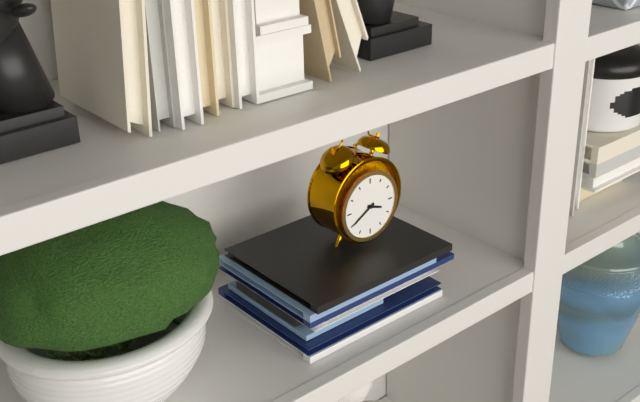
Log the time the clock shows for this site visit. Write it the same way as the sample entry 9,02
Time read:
3,40
